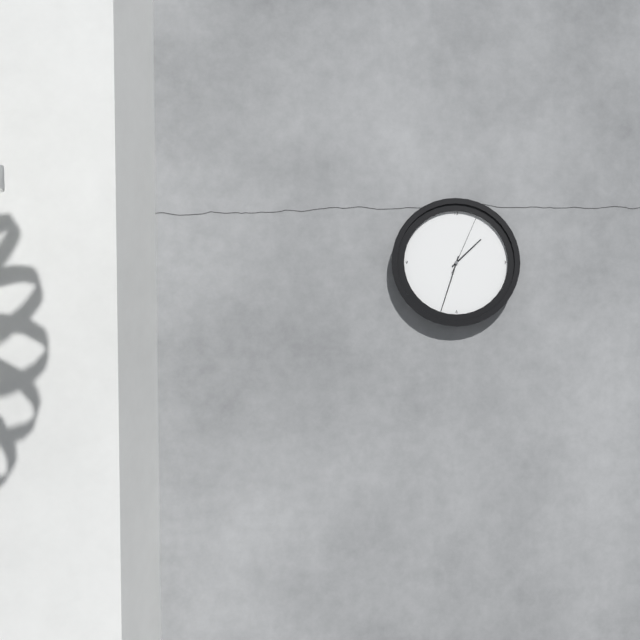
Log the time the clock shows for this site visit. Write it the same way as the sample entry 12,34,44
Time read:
1,33,04
